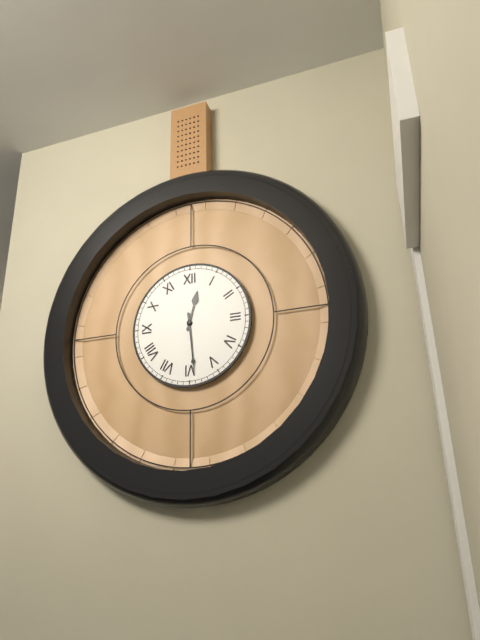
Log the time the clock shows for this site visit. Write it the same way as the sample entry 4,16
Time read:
12,29
